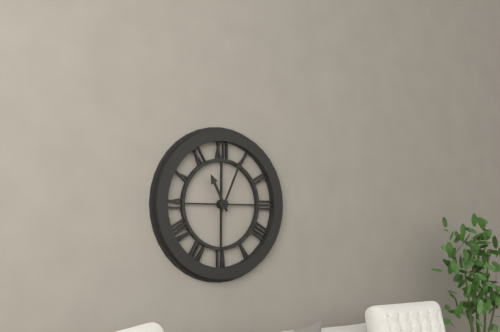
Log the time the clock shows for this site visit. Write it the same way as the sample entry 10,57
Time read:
11,04
